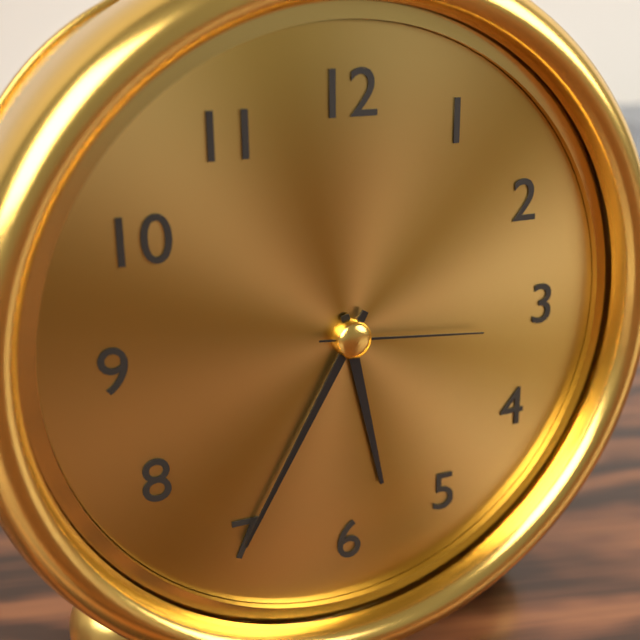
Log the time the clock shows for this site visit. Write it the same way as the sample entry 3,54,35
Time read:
5,35,16
